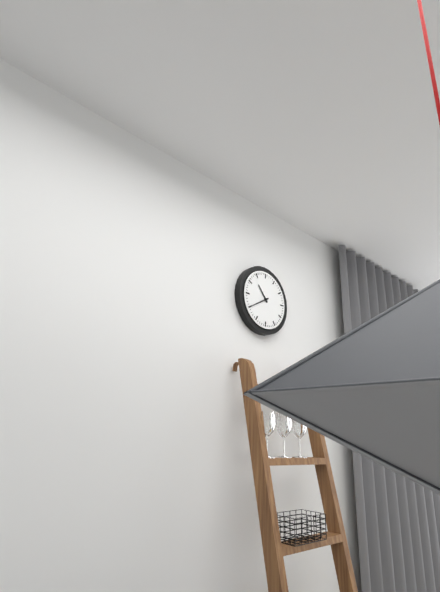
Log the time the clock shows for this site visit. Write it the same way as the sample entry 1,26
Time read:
10,40
